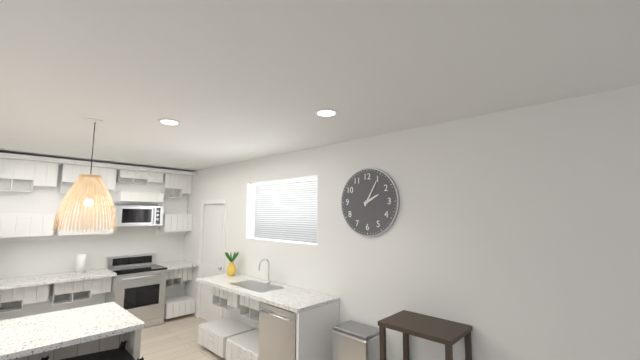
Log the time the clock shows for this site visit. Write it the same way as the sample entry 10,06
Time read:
2,05
